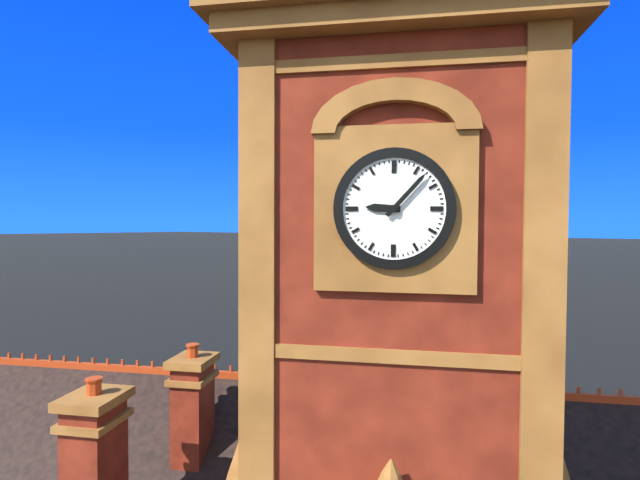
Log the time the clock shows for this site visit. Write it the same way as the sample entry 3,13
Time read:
9,07
